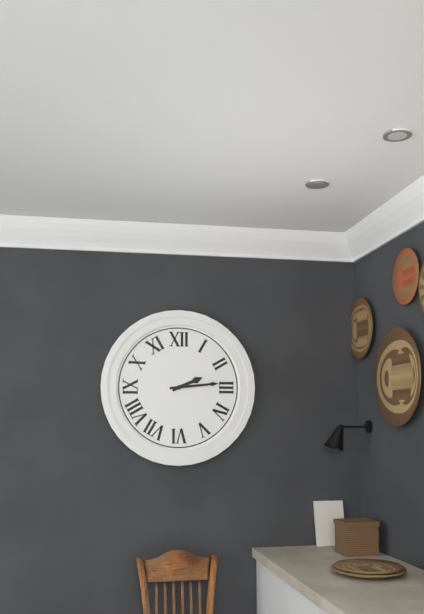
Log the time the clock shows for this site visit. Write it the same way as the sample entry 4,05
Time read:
2,14
